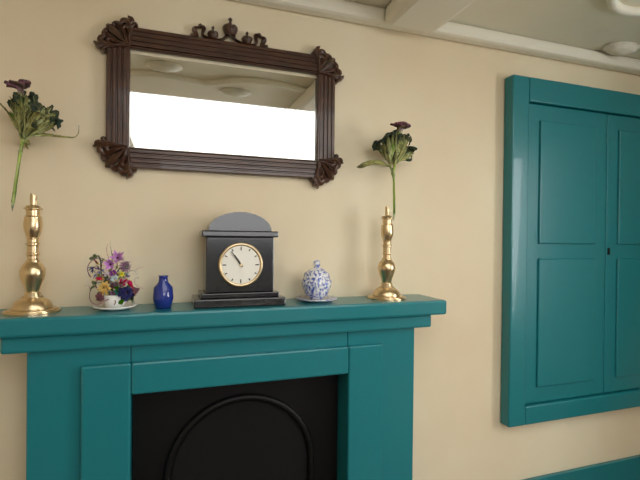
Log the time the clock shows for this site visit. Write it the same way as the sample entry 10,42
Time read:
10,54
